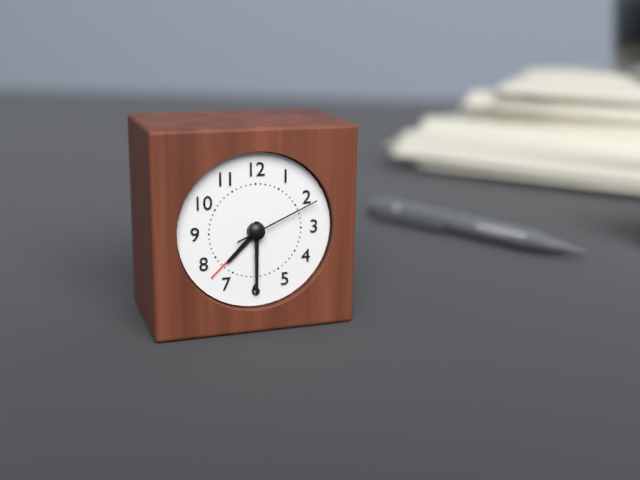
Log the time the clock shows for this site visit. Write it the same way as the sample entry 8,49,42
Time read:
7,30,11
